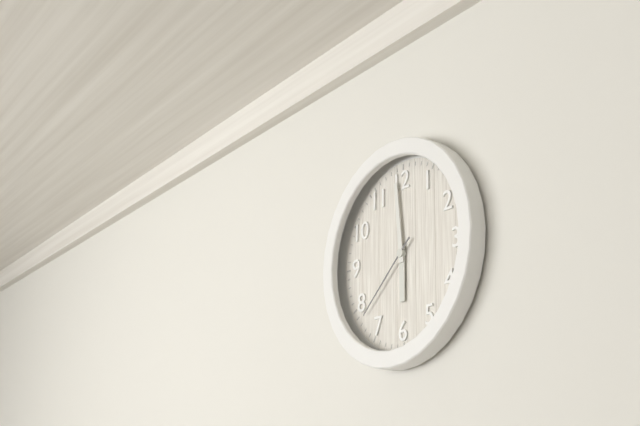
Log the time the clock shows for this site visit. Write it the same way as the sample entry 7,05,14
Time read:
5,59,38
